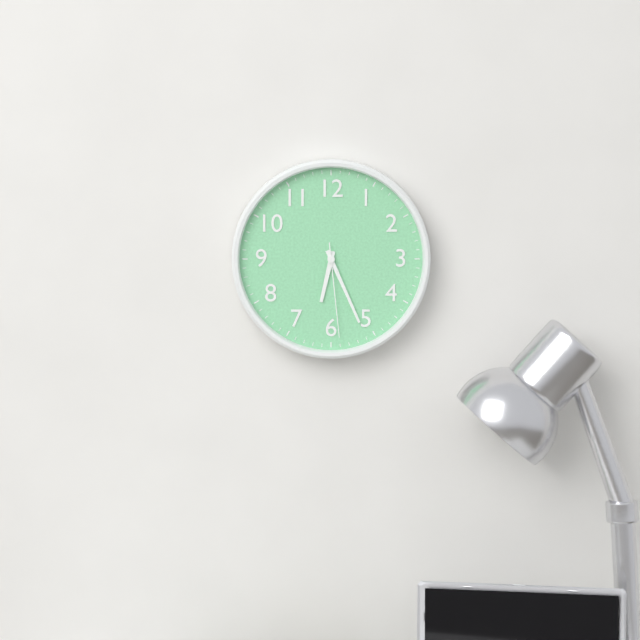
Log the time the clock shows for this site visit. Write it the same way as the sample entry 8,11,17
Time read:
6,26,29
